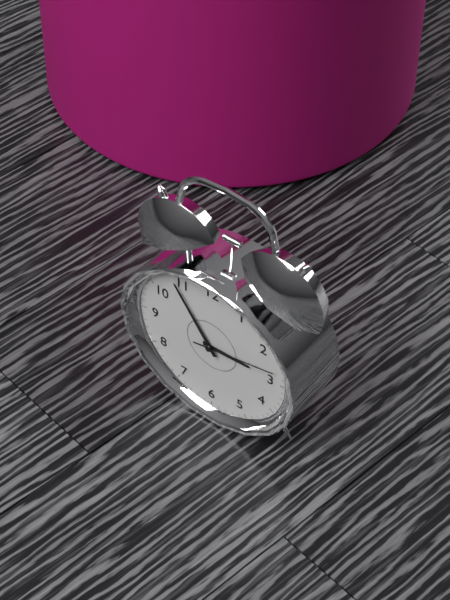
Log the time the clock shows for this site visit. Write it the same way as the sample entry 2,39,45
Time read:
2,54,13
